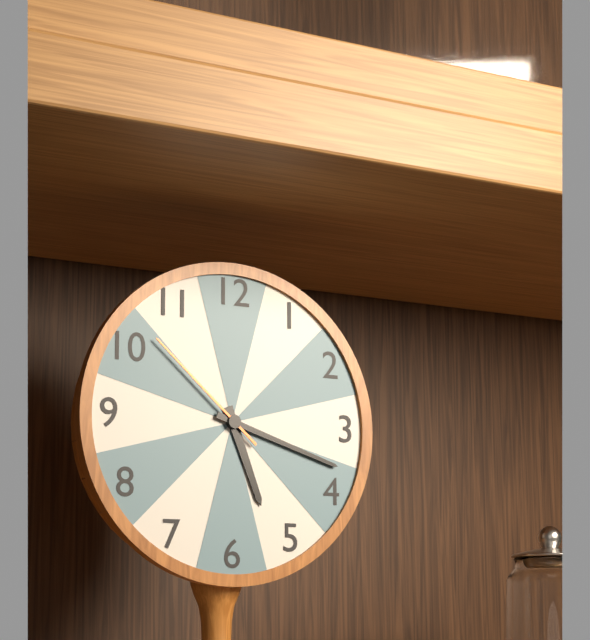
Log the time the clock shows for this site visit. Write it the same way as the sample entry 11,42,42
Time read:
5,18,52
